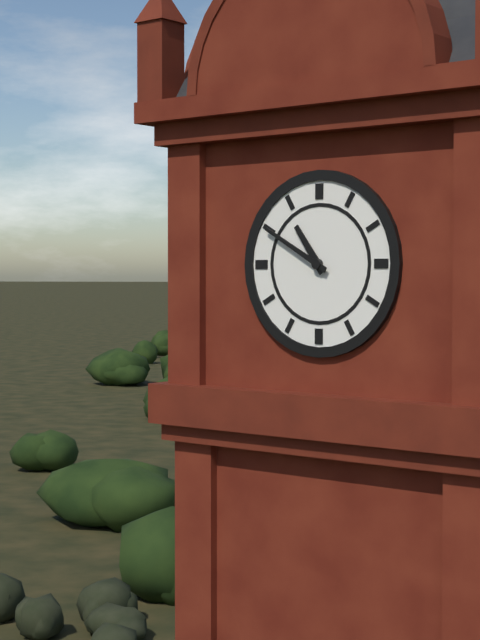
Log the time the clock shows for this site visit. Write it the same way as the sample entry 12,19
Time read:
10,50
